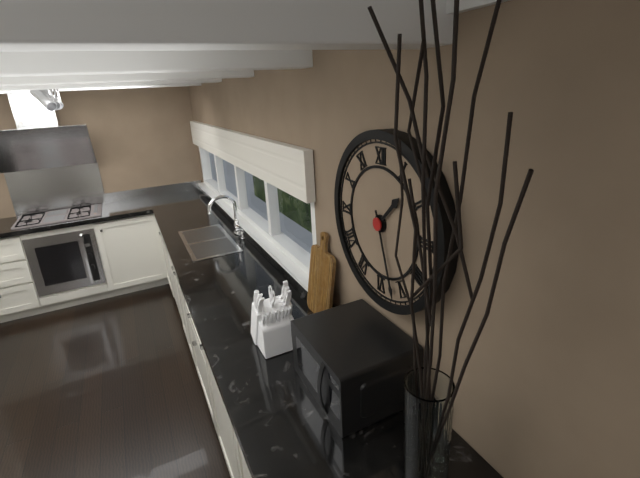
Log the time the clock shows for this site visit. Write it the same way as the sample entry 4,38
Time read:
1,27
